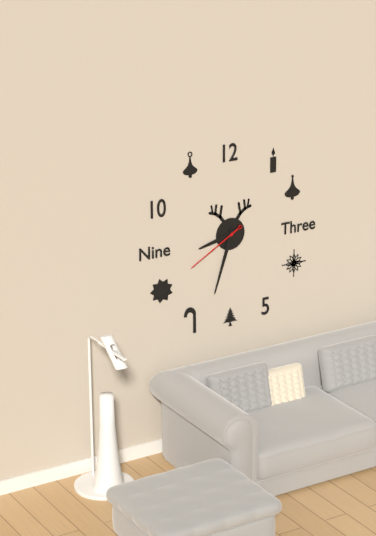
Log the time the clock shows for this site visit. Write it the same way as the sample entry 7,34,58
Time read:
8,33,40
